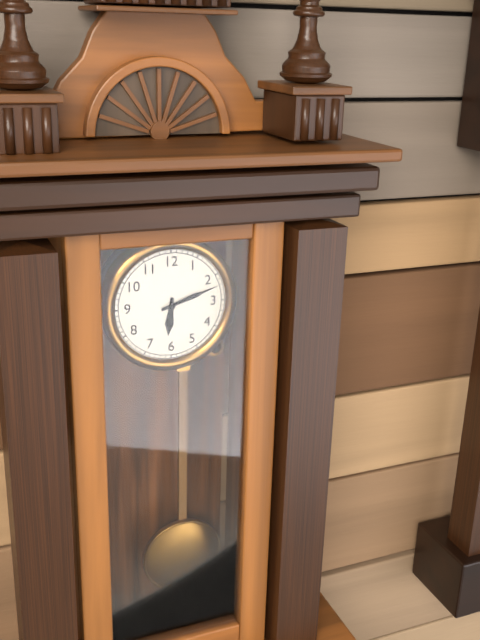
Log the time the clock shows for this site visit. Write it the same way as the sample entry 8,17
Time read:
6,12
